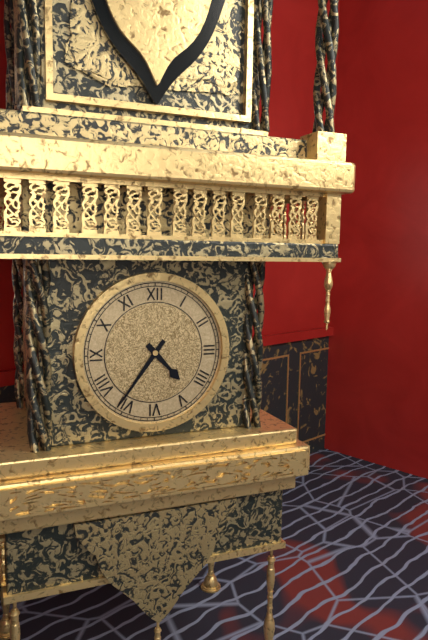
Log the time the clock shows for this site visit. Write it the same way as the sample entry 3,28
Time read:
4,36
